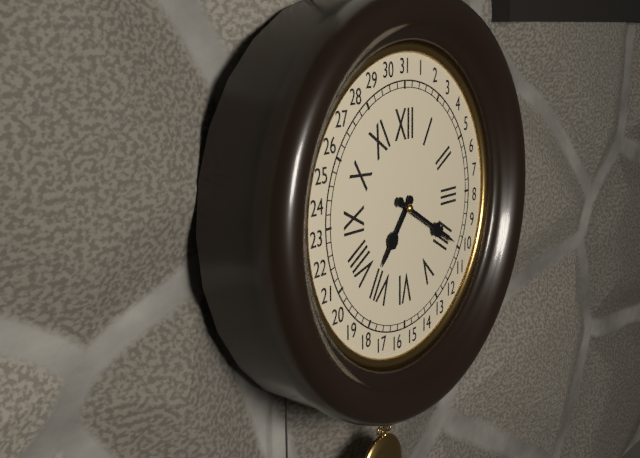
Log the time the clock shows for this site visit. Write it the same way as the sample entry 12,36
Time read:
7,20
